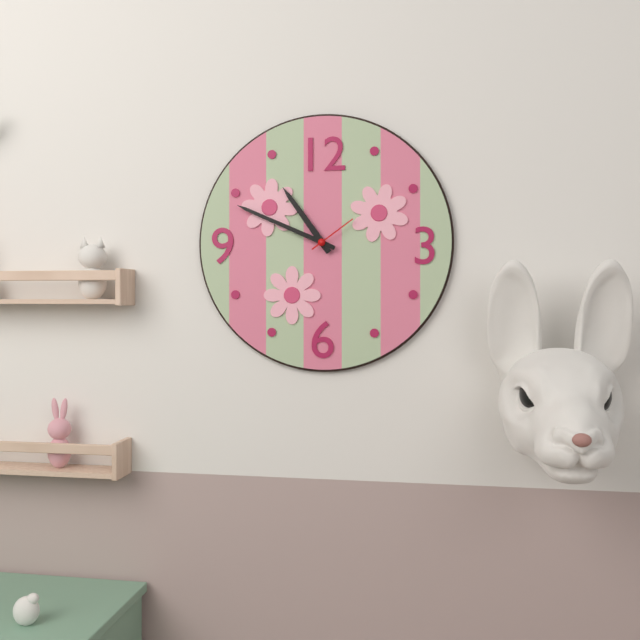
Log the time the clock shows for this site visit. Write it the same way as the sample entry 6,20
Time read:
10,49
